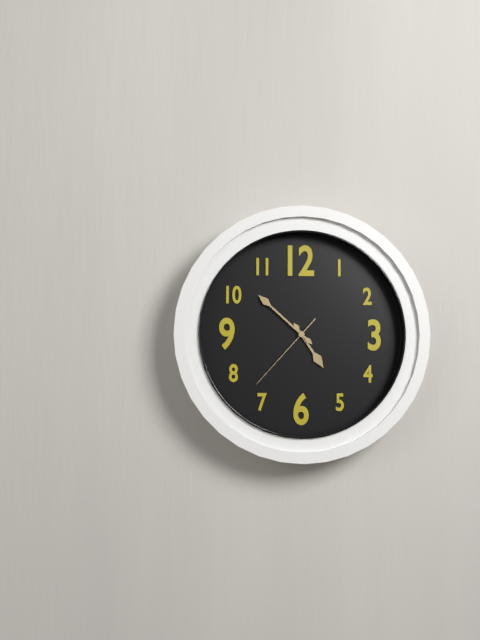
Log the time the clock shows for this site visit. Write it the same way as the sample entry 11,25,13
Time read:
4,52,37
